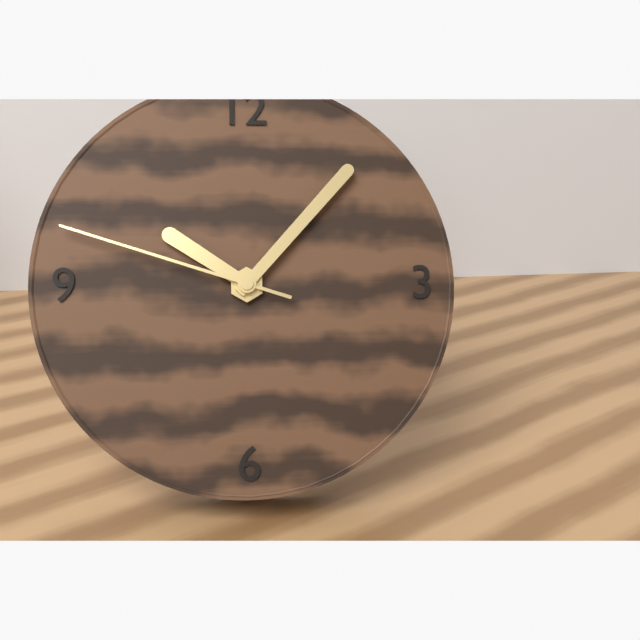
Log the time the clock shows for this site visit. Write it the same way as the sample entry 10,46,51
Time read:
10,07,48
